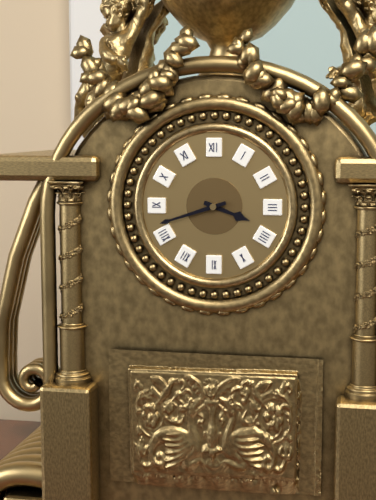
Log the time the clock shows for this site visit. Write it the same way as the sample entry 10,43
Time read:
3,42
